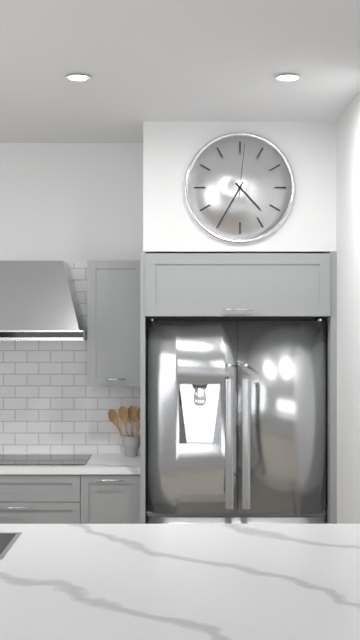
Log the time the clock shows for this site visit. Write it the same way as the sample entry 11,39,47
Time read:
4,35,01
